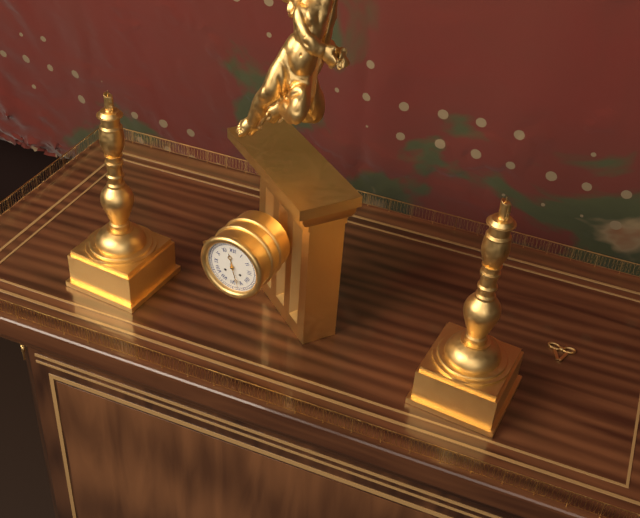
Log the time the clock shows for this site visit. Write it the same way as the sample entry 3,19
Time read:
11,27
